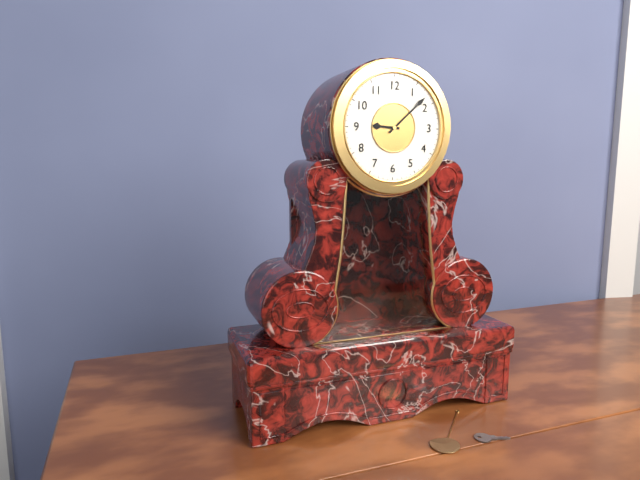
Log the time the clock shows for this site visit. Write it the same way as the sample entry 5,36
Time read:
9,08
